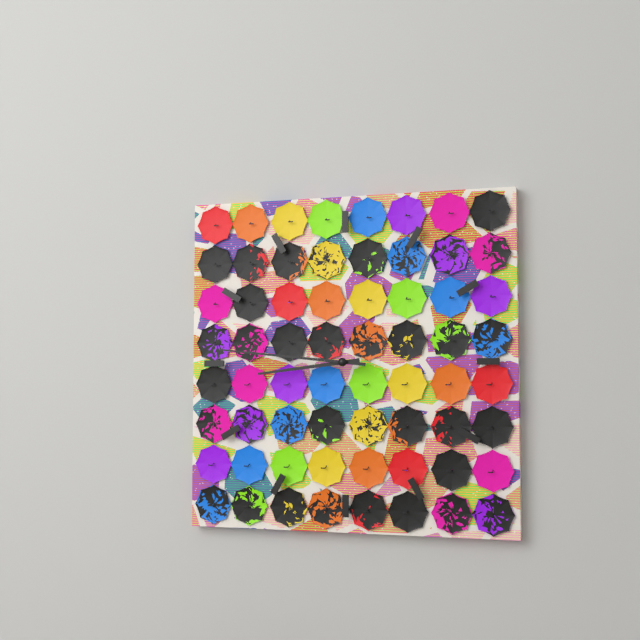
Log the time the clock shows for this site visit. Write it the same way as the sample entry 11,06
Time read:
8,46
